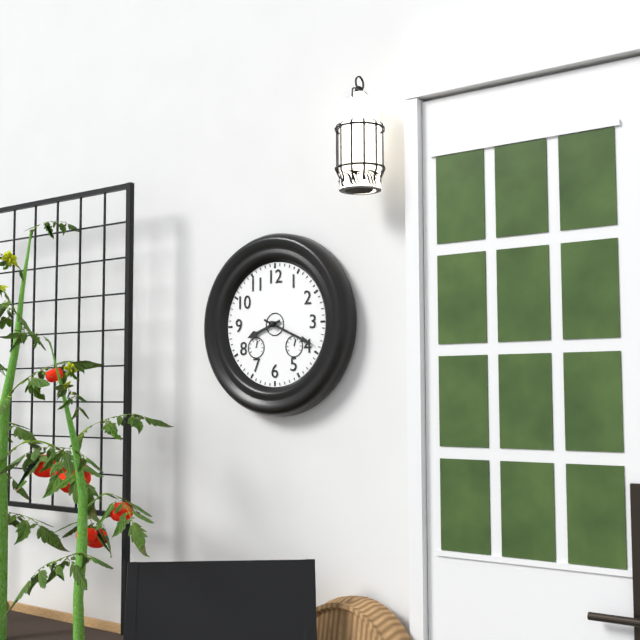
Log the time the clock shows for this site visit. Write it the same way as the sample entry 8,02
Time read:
8,19
